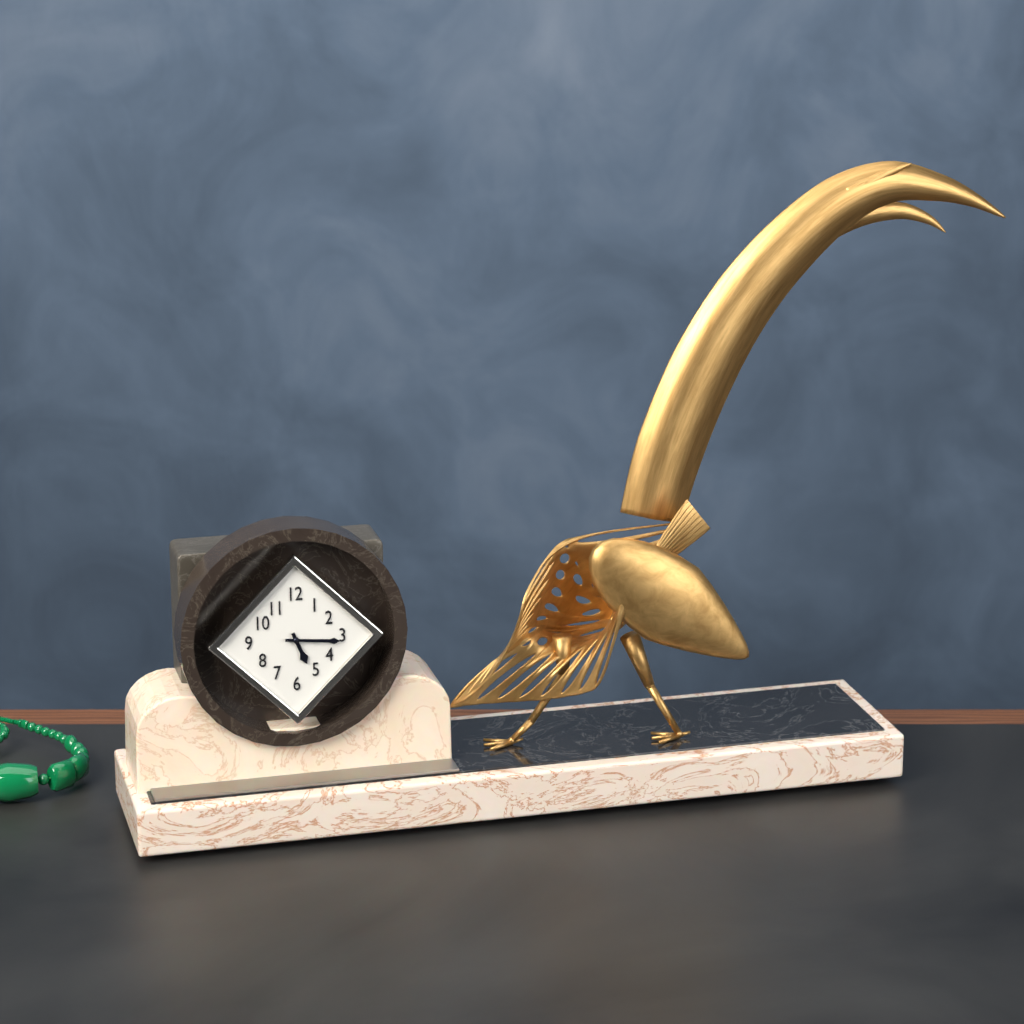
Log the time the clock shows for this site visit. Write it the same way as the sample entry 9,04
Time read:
5,16
